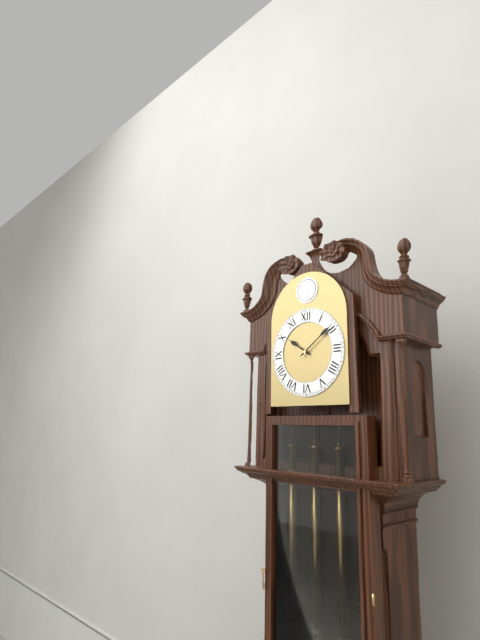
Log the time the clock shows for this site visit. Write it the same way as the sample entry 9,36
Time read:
10,09
